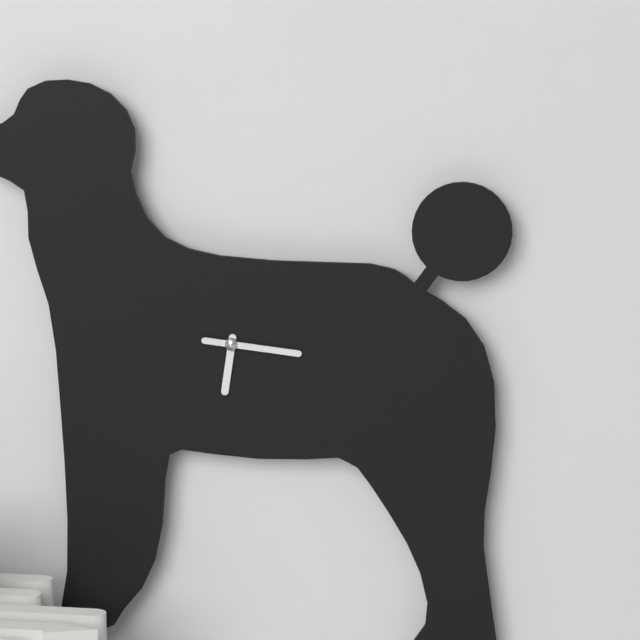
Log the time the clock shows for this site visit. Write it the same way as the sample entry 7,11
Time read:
6,16
